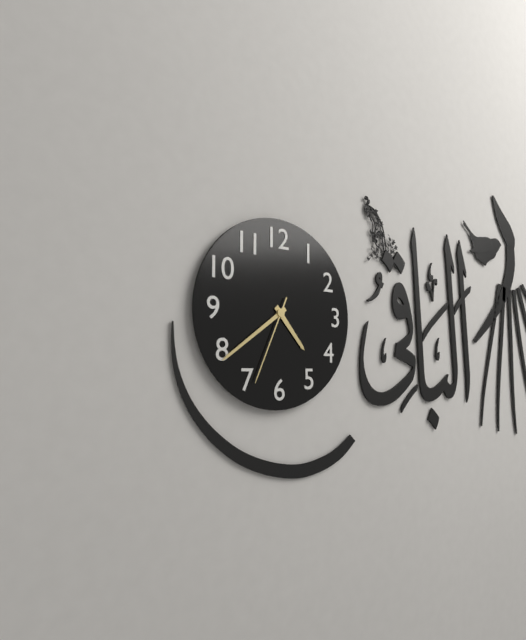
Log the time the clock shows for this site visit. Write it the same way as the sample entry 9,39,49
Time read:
4,39,34
